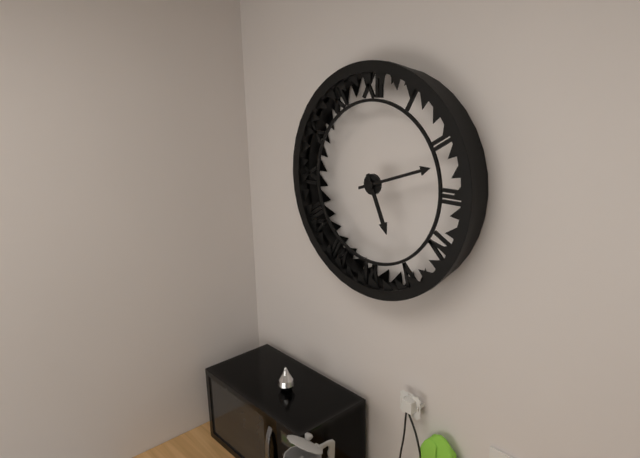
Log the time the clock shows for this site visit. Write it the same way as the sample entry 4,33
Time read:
5,12
